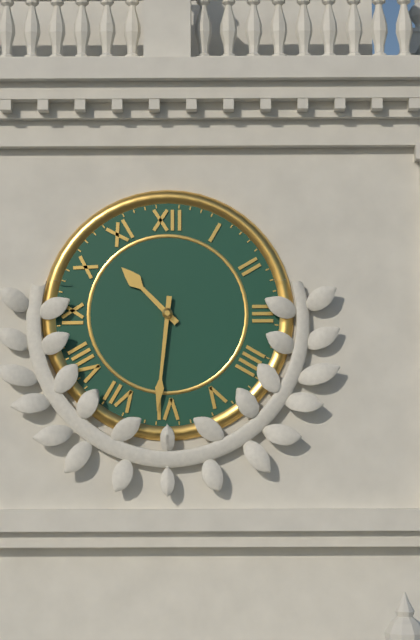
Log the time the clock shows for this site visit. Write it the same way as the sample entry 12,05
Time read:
10,31
